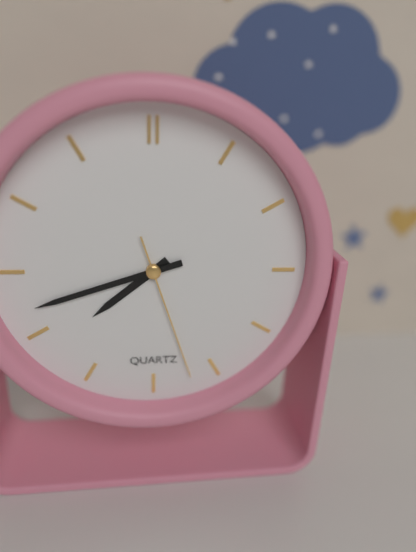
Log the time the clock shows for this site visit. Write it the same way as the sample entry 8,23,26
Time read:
7,42,27
